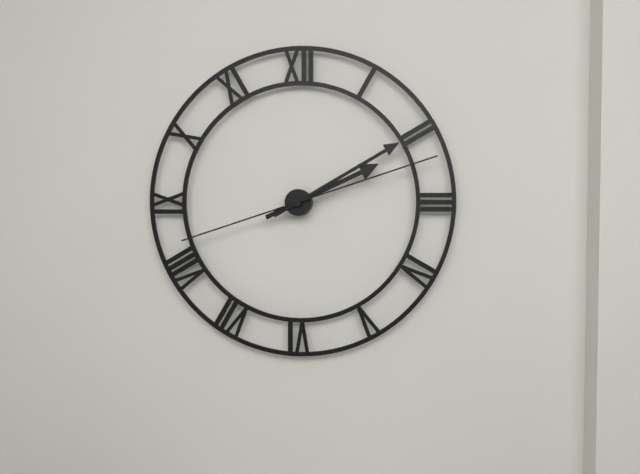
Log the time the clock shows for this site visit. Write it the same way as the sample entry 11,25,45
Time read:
2,10,12
